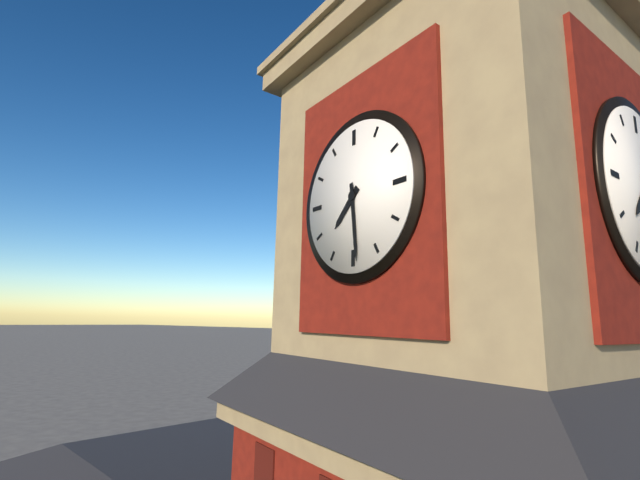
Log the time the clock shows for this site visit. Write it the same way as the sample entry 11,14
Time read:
7,29
